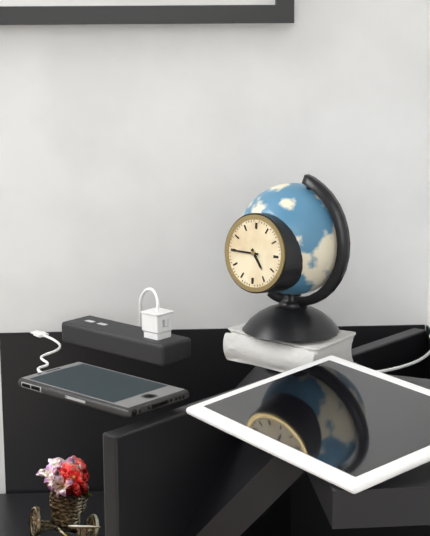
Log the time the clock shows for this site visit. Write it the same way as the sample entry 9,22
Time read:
4,45
